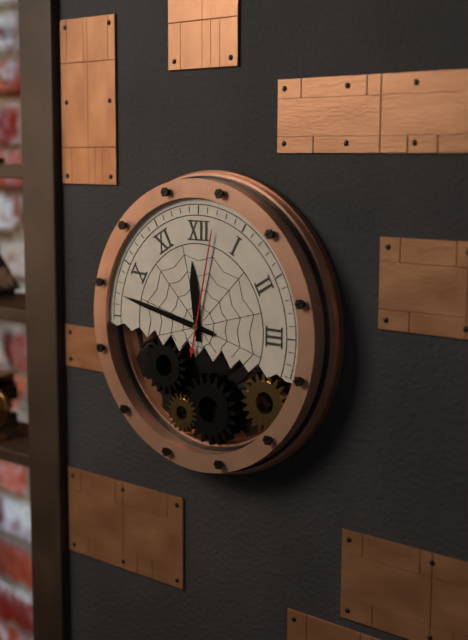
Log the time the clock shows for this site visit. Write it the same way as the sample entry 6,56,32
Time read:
11,47,02
